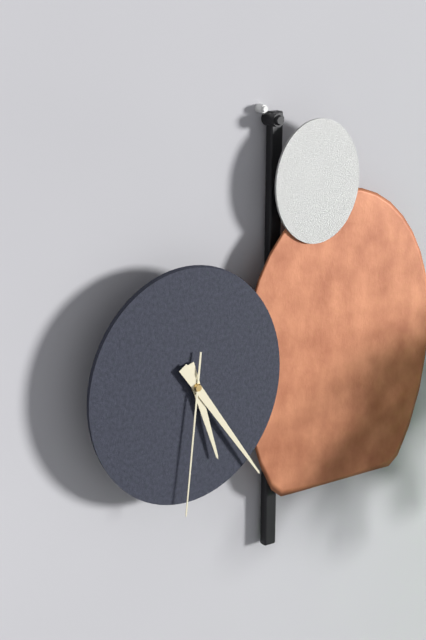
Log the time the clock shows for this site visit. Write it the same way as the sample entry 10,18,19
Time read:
5,24,31
